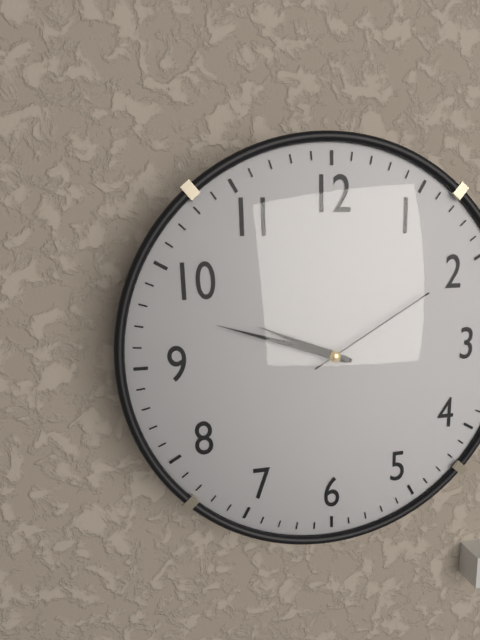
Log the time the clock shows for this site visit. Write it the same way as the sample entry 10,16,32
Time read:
9,48,10
